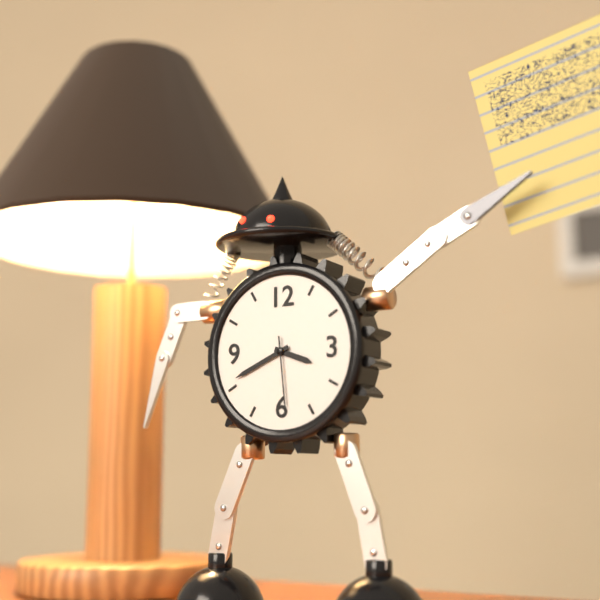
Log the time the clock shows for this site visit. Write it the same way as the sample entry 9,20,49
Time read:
3,41,29
